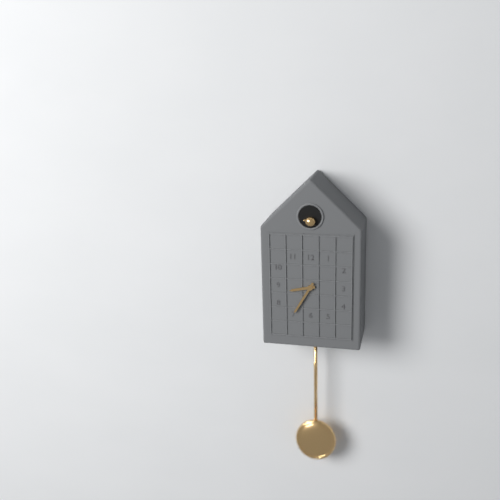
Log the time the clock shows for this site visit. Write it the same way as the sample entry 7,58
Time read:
8,35
